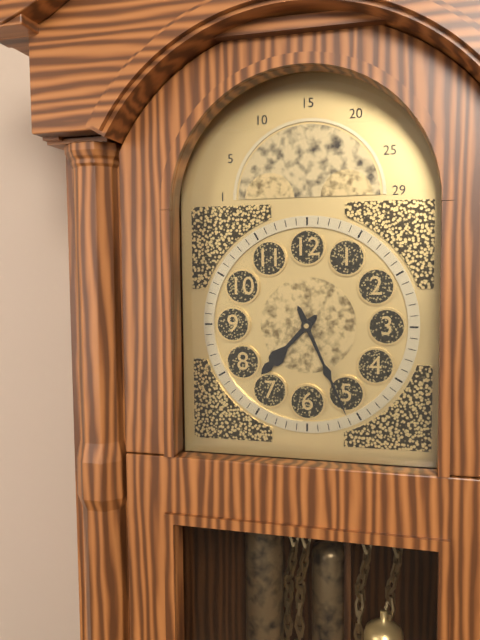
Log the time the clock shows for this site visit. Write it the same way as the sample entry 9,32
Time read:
7,26
